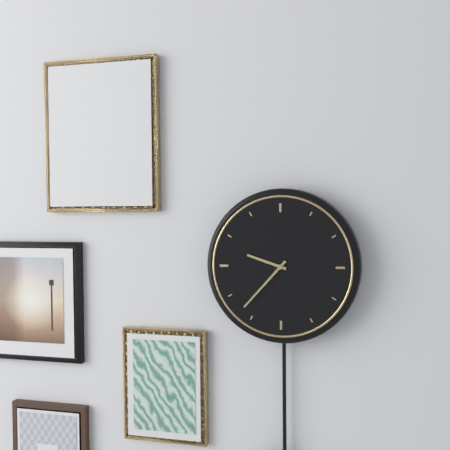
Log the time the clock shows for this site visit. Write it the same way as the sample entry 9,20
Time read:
9,37
